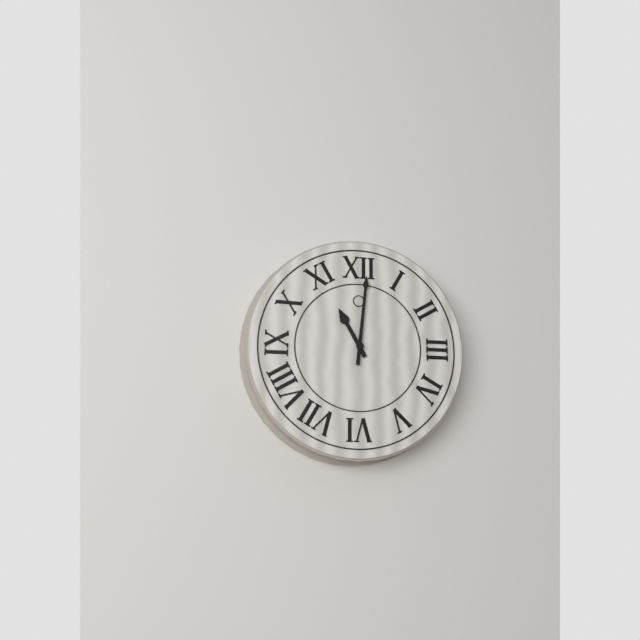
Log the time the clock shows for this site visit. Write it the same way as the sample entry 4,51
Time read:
11,01
